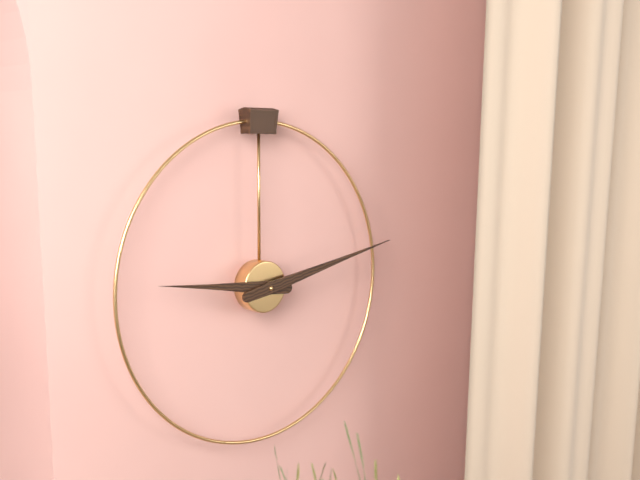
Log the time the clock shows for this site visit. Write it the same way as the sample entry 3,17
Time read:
9,13
